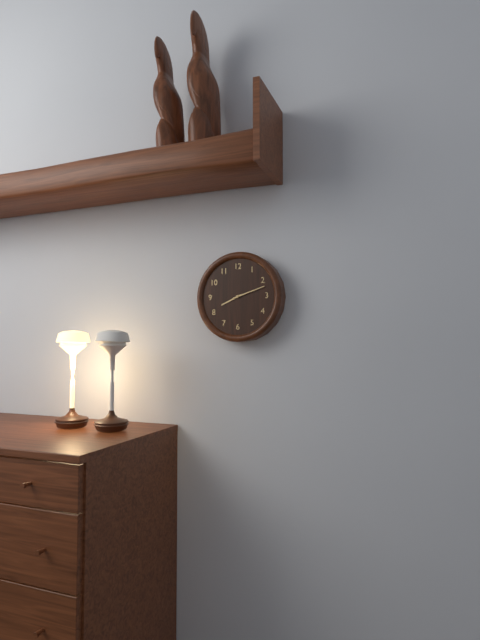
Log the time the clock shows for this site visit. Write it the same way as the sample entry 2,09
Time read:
8,12
